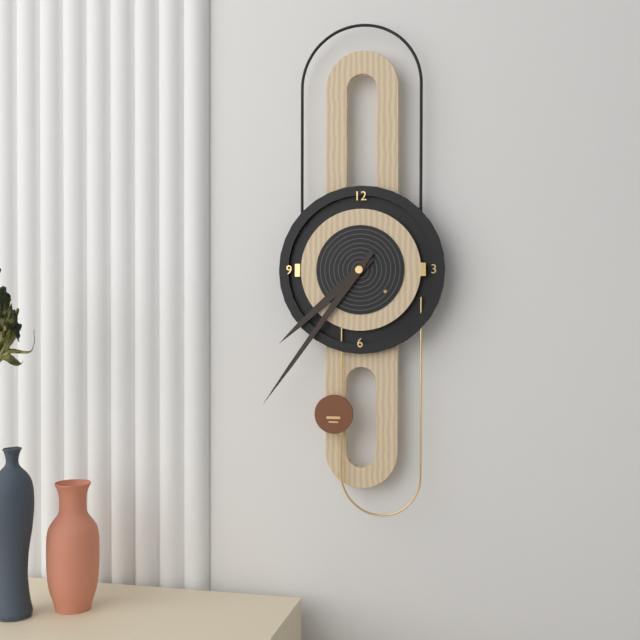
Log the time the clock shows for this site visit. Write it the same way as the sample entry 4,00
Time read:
7,36
